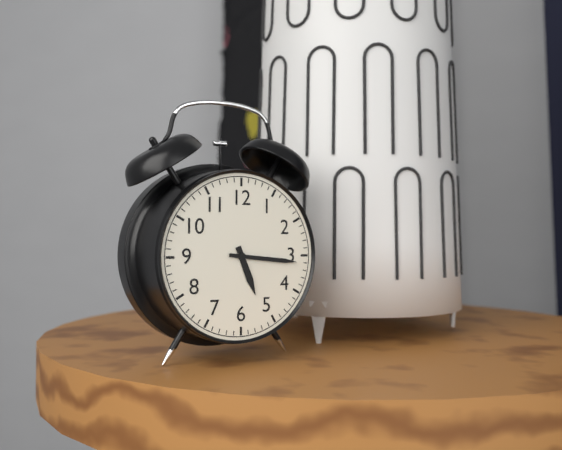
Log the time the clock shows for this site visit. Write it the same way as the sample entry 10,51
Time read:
5,16
